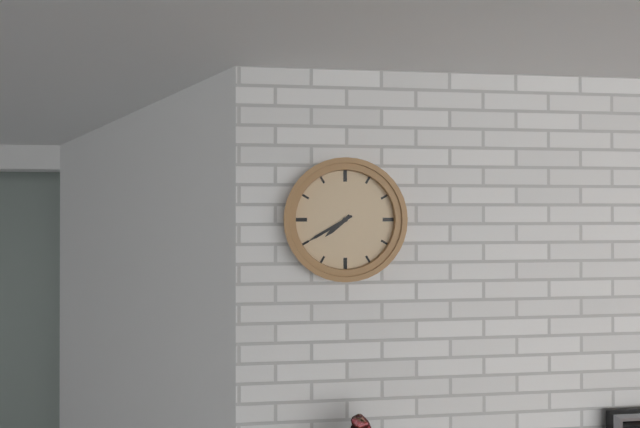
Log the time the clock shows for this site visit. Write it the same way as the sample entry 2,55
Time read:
7,40
